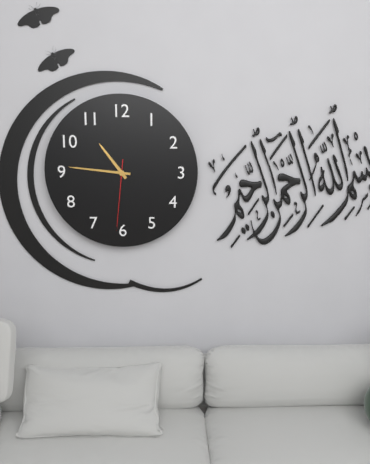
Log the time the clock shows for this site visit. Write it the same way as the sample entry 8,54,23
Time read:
10,46,31
